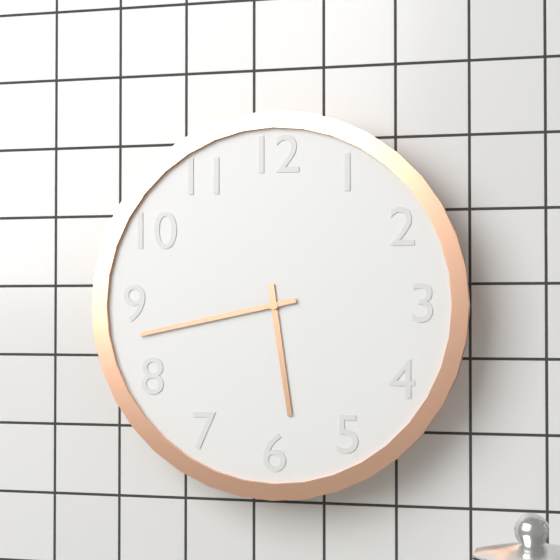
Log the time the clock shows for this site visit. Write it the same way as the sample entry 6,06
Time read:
5,43
